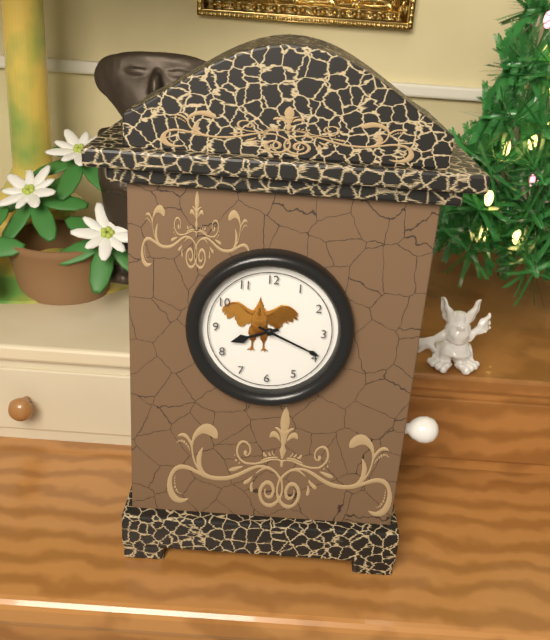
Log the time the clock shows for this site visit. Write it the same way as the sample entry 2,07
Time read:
8,19
